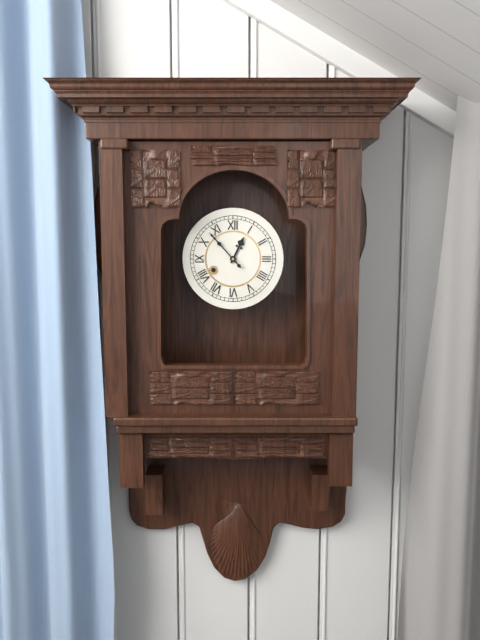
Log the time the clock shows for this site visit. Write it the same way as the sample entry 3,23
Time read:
12,53
